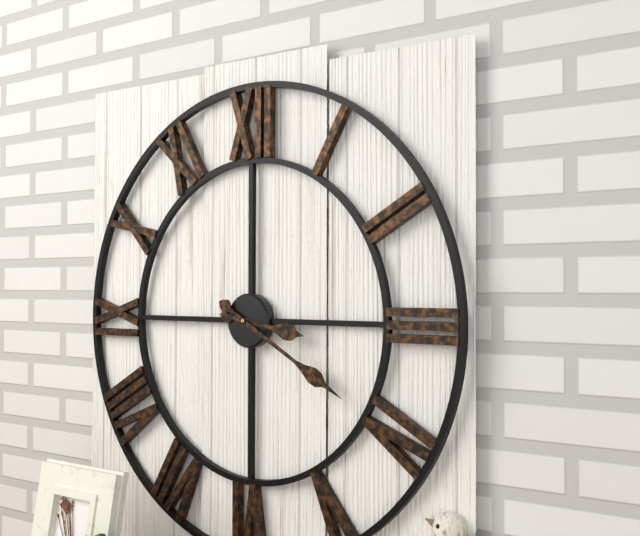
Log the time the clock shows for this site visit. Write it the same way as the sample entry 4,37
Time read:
3,20
